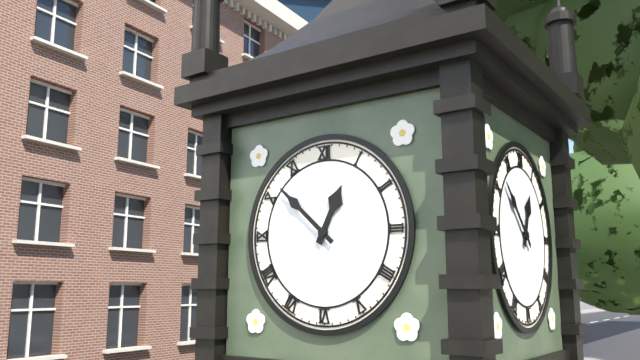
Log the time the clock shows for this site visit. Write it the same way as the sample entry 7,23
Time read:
12,52
